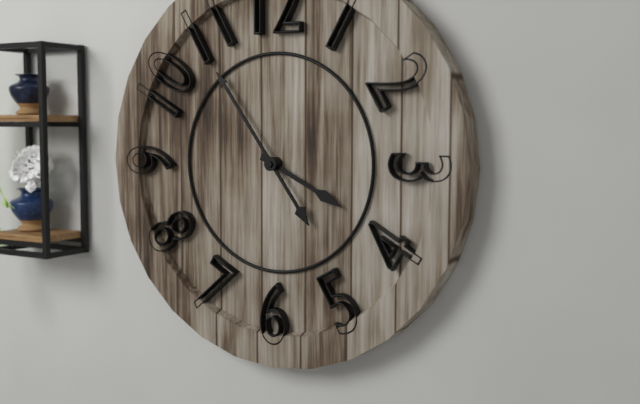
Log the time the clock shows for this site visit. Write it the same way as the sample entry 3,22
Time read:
3,54
